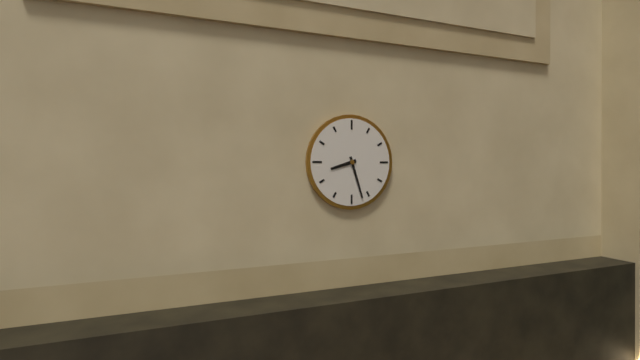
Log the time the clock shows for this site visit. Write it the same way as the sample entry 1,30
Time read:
8,27
